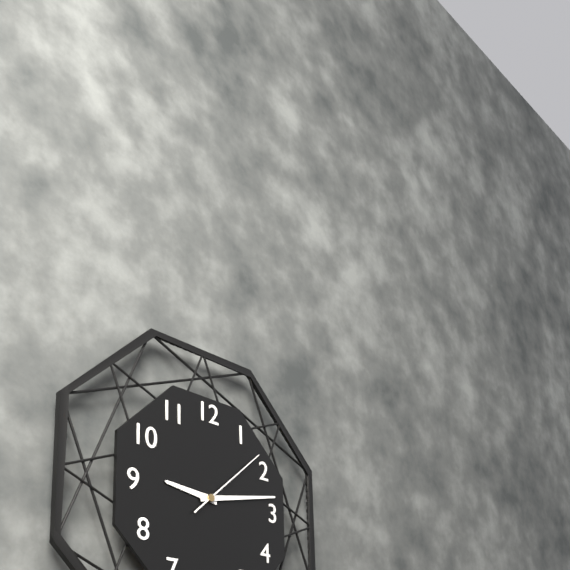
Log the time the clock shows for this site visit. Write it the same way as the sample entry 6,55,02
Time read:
9,13,08
